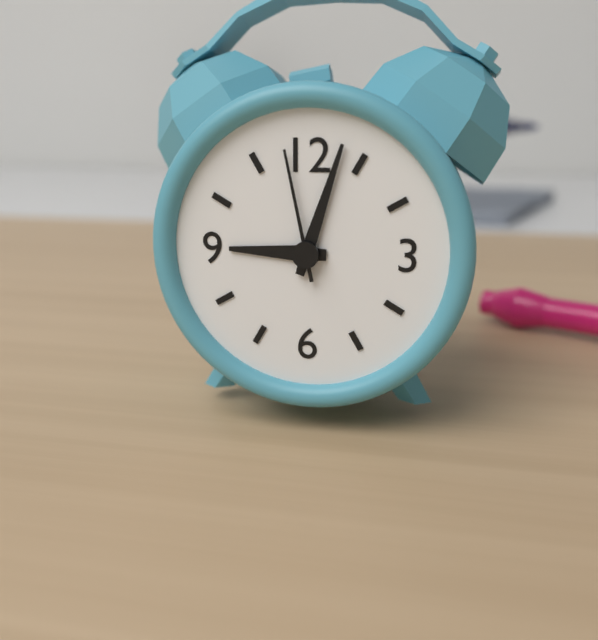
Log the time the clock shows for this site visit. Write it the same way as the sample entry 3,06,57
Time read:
9,03,58
